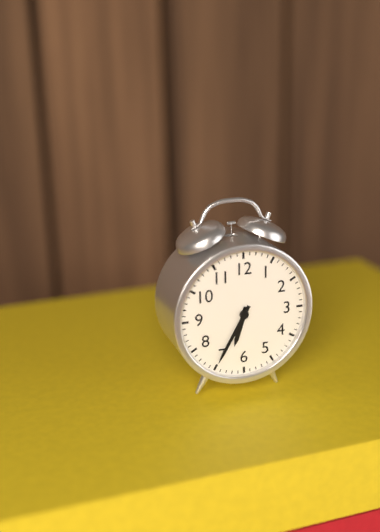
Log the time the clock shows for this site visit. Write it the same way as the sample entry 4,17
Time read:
6,35
